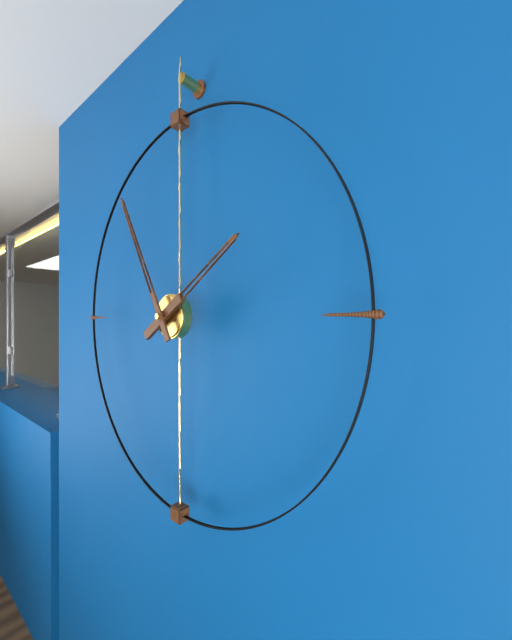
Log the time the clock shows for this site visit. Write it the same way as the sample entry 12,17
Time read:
1,55
